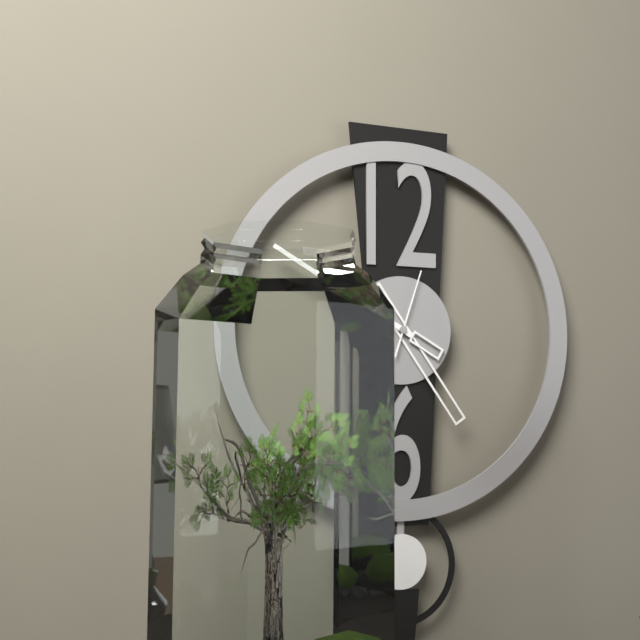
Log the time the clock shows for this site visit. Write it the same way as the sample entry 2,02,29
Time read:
4,50,03
